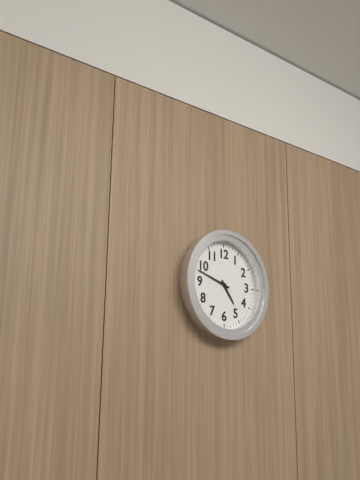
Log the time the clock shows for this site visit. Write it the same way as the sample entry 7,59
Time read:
4,48
